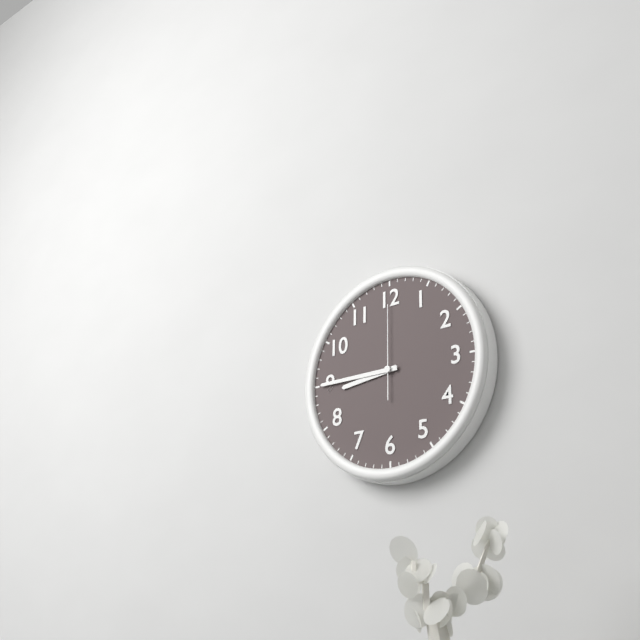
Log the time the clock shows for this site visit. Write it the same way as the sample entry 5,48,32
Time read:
8,45,00
